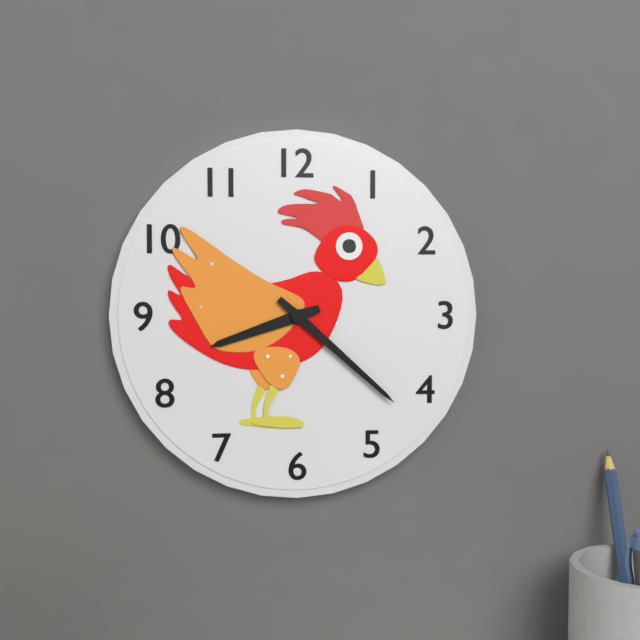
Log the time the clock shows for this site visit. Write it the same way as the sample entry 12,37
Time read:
8,22
